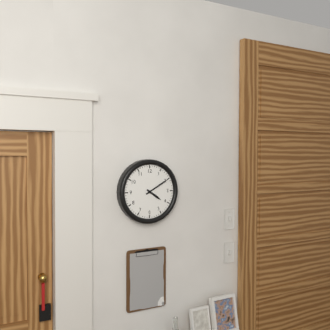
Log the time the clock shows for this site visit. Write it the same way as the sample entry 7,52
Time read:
4,10
